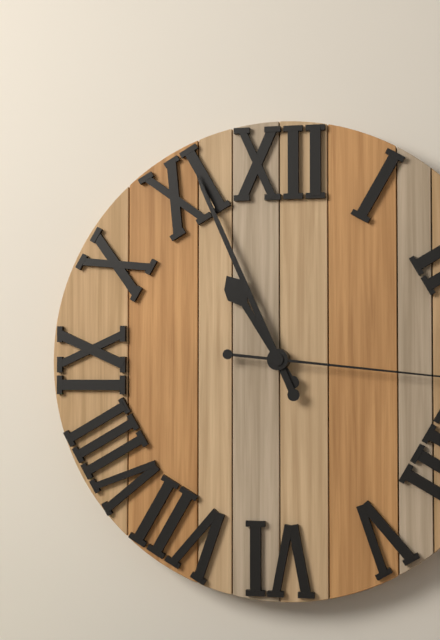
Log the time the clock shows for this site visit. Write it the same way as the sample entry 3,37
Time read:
10,56
